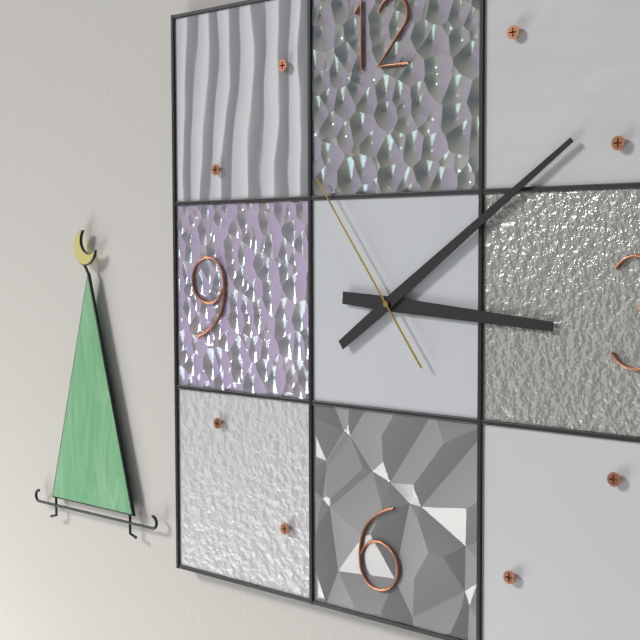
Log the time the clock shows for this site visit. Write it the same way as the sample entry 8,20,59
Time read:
3,09,54
